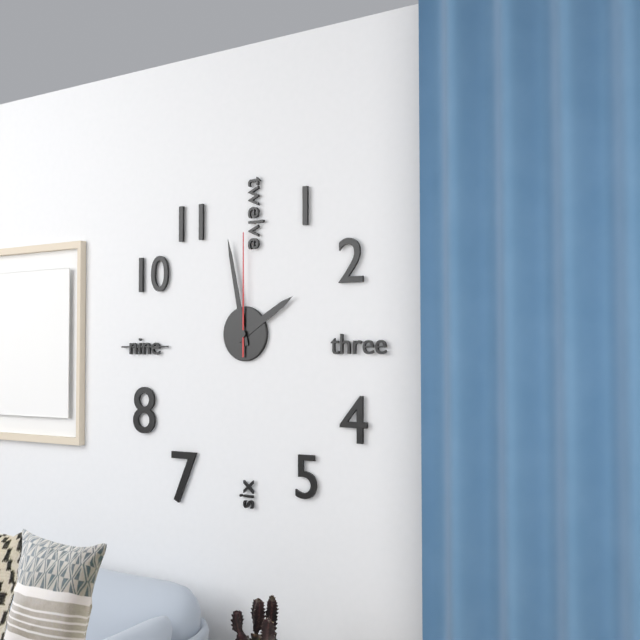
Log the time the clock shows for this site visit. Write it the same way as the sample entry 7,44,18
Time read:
1,58,00
